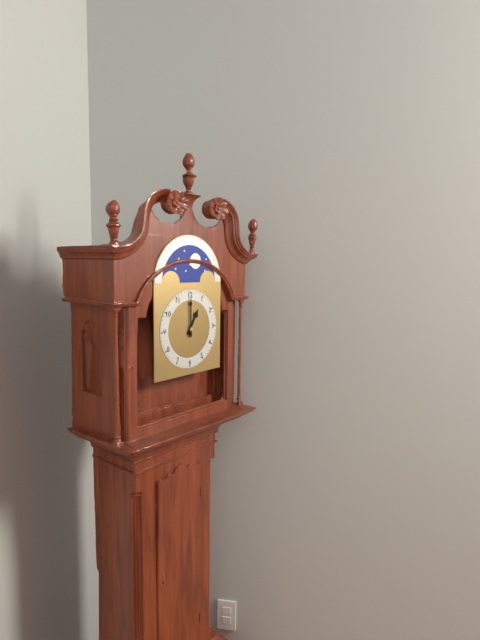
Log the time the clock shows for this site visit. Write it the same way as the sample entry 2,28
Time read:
1,00
